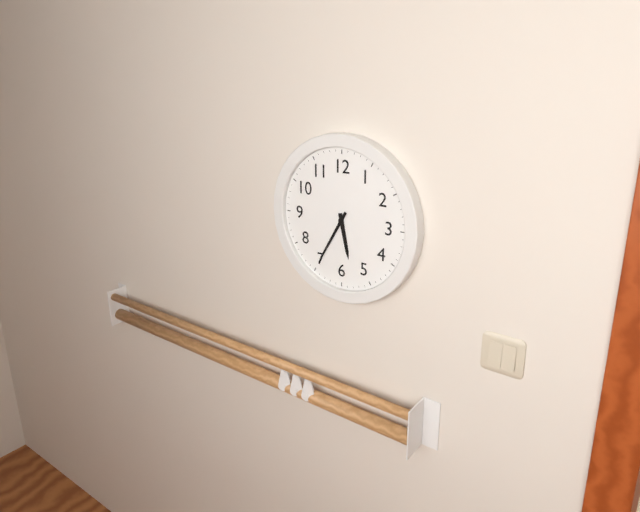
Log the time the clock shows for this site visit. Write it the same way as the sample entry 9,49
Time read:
5,35
